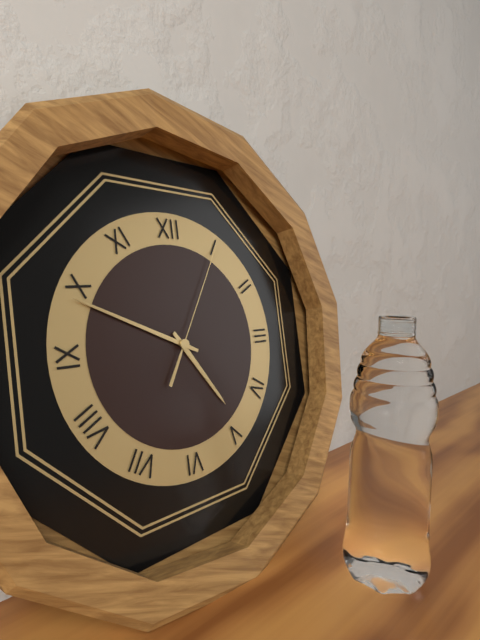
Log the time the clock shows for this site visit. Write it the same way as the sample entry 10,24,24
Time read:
4,49,05
